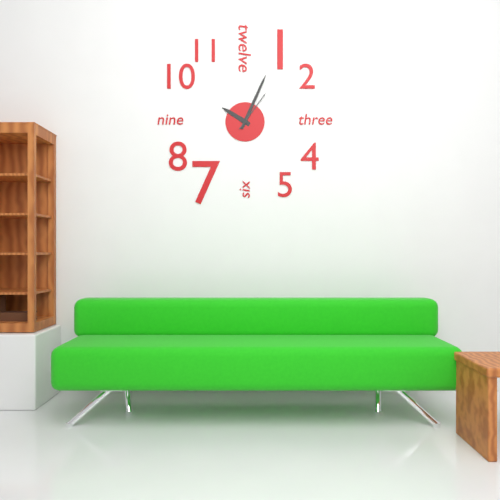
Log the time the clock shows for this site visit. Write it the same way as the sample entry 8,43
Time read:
10,04
